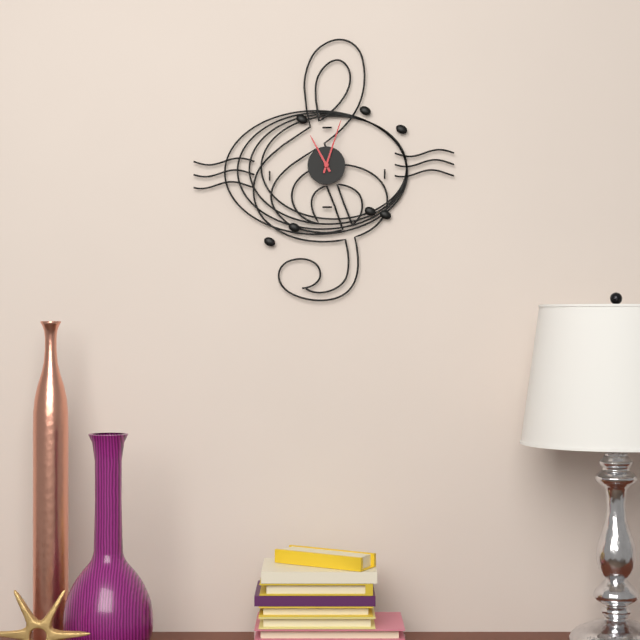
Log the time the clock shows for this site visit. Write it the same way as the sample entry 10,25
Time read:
11,03
